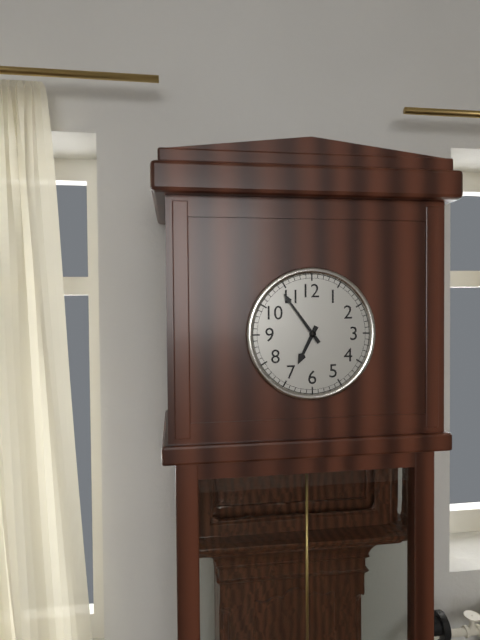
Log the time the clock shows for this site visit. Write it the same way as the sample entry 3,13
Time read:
6,54
